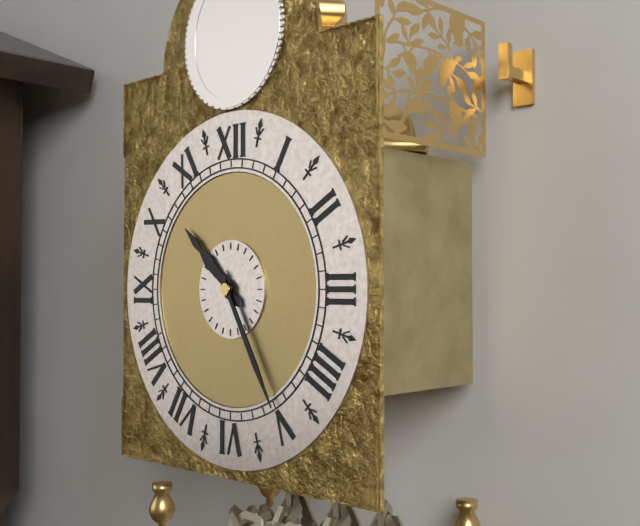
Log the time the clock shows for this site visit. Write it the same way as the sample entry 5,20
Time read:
10,25
